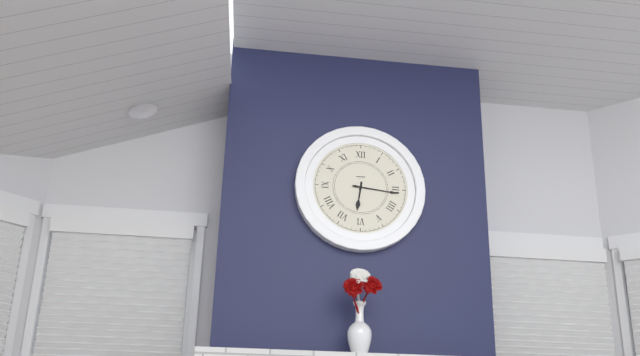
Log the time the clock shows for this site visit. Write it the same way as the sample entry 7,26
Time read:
6,16
